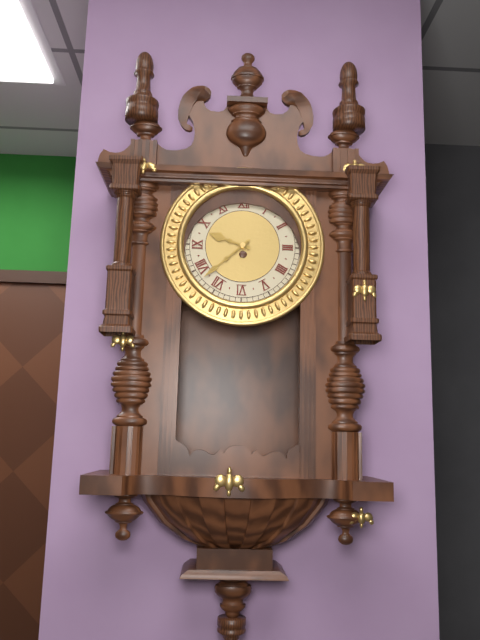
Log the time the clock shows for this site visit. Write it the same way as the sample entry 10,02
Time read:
9,38
